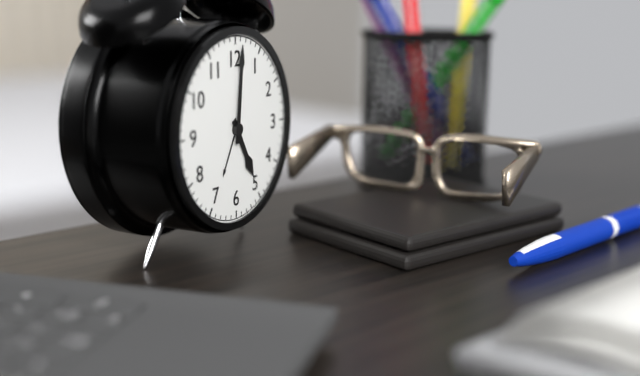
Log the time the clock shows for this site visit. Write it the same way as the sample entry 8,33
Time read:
5,01
